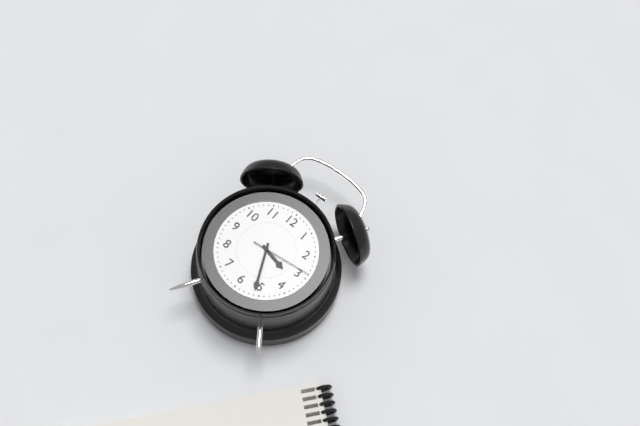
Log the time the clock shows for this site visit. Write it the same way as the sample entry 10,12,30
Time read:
3,26,14
